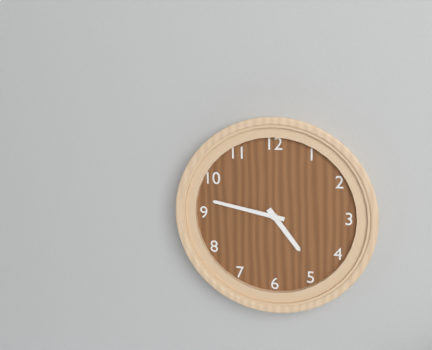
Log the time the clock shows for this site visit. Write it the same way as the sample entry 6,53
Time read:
4,47
